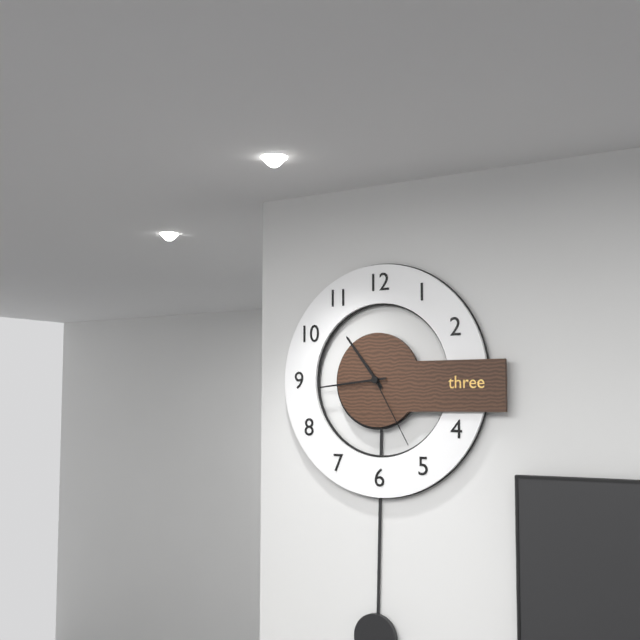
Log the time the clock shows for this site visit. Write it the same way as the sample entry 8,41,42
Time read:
10,44,25
